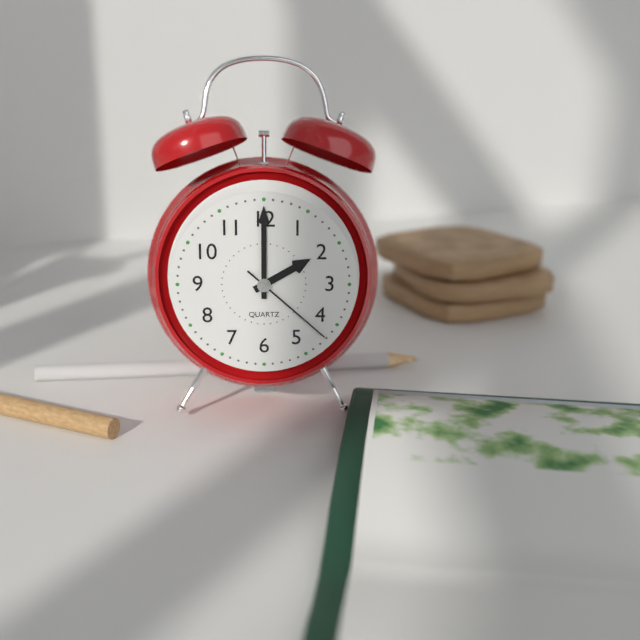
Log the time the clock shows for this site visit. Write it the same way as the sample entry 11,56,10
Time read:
2,00,22
